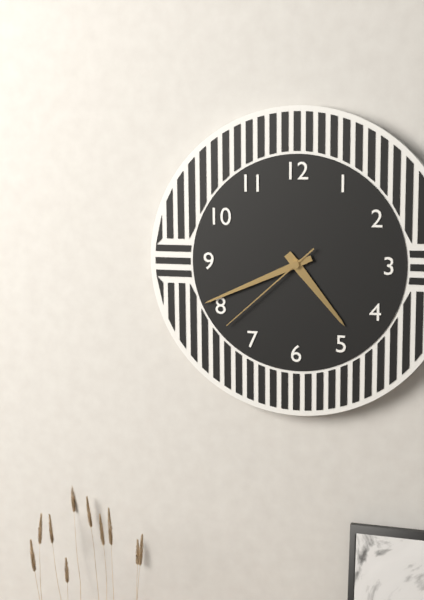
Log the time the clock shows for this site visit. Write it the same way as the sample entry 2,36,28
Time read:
4,41,38
